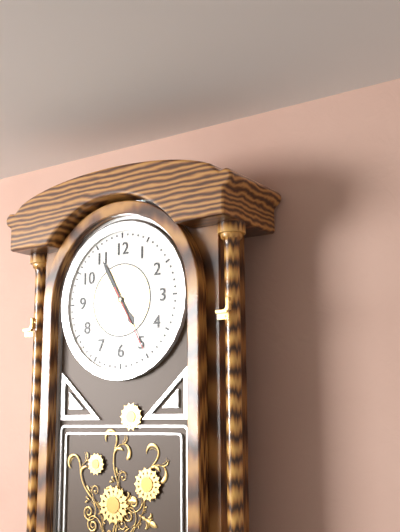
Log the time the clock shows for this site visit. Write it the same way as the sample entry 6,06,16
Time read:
4,55,25
